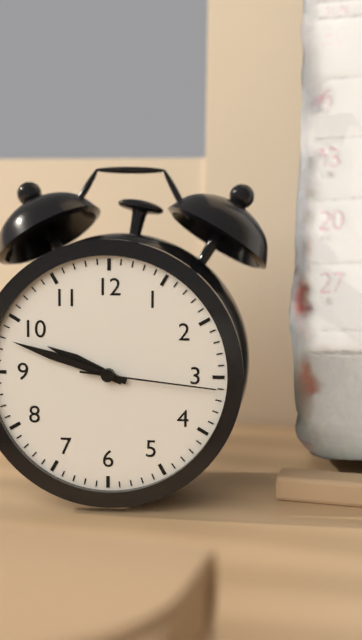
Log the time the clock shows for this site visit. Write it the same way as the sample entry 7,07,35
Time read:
9,48,16
